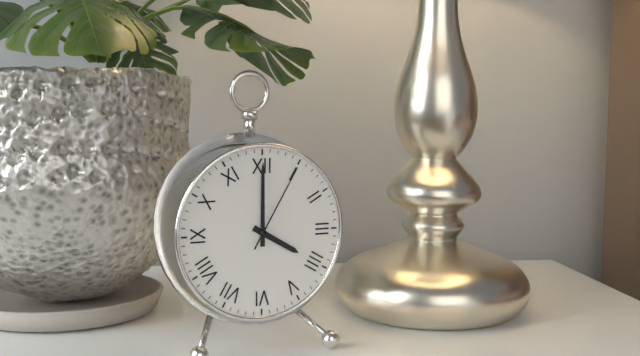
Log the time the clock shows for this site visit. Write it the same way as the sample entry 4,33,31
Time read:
4,00,05
